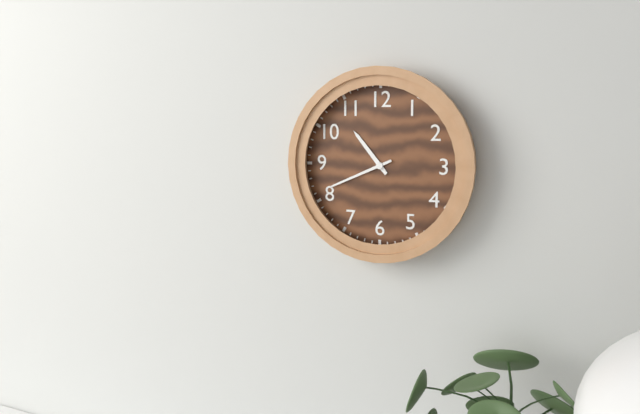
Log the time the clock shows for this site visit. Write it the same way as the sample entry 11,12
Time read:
10,41
